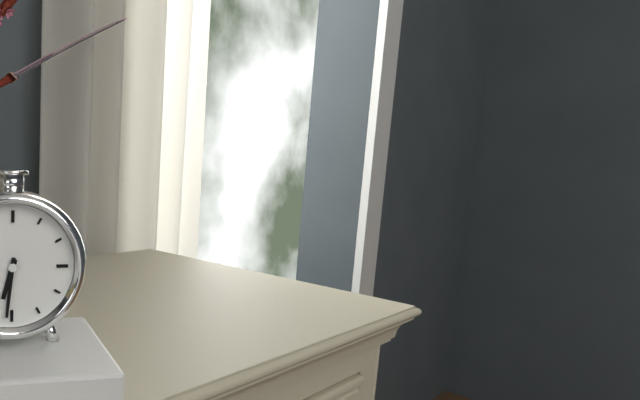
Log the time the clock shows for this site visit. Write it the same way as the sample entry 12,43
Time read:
6,31
